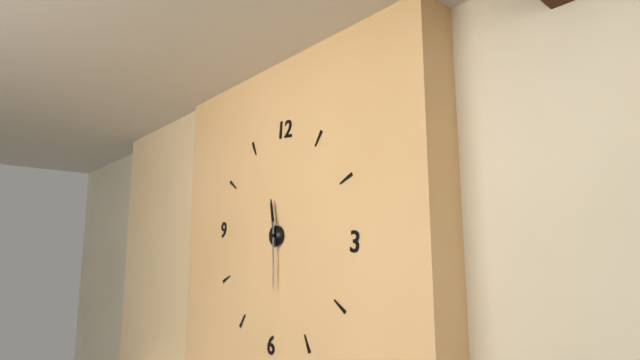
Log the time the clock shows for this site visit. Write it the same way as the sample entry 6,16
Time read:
11,29
